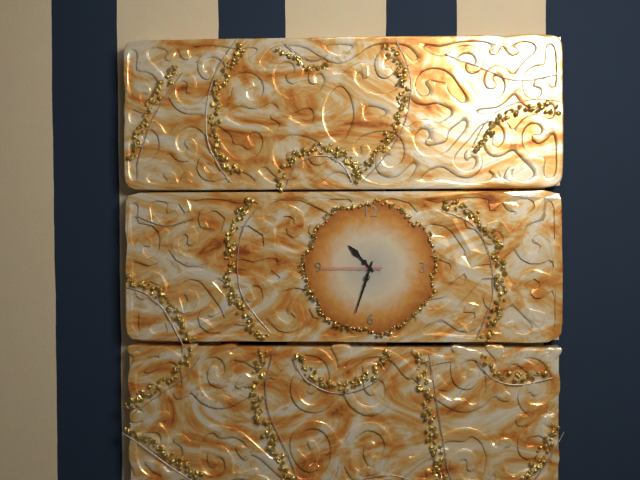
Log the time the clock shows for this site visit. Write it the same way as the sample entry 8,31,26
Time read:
10,33,45
